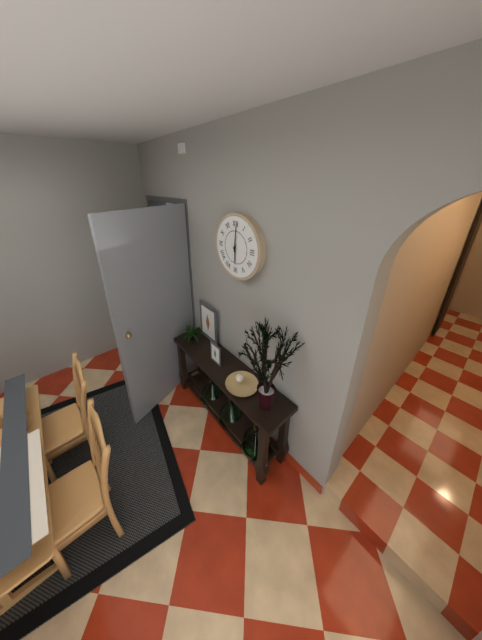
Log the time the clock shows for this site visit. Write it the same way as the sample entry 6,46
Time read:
6,01
